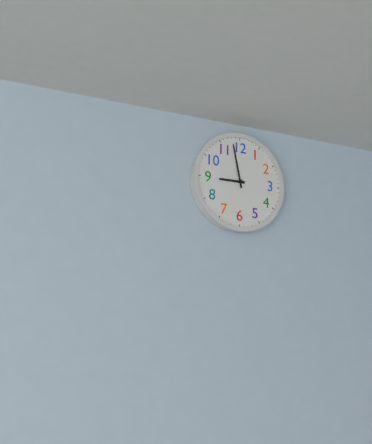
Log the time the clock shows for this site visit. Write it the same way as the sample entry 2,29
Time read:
8,58
